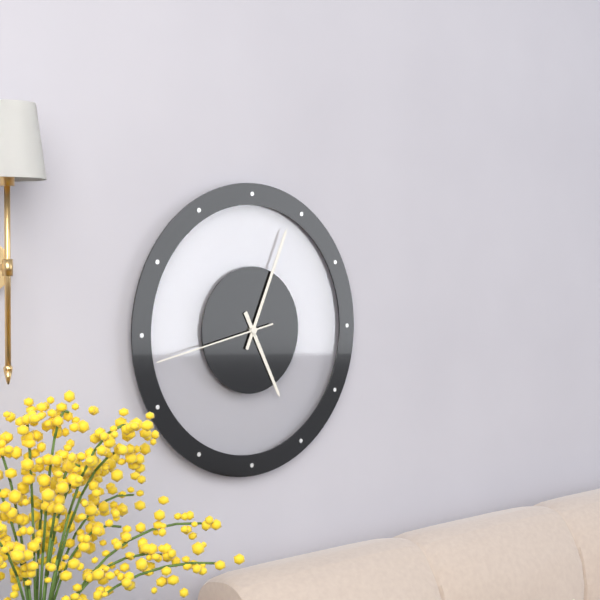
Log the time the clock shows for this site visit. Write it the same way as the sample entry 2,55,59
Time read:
5,04,43
